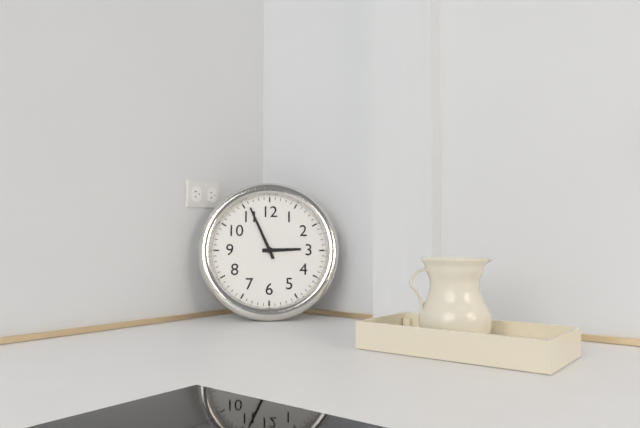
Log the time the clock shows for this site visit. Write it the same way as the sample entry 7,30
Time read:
2,56
